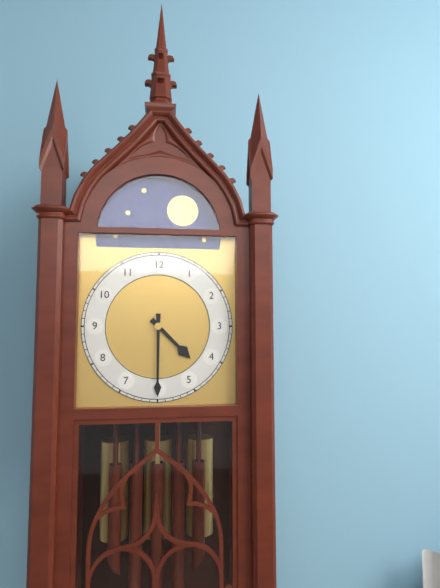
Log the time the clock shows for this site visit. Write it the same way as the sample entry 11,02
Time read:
4,30
